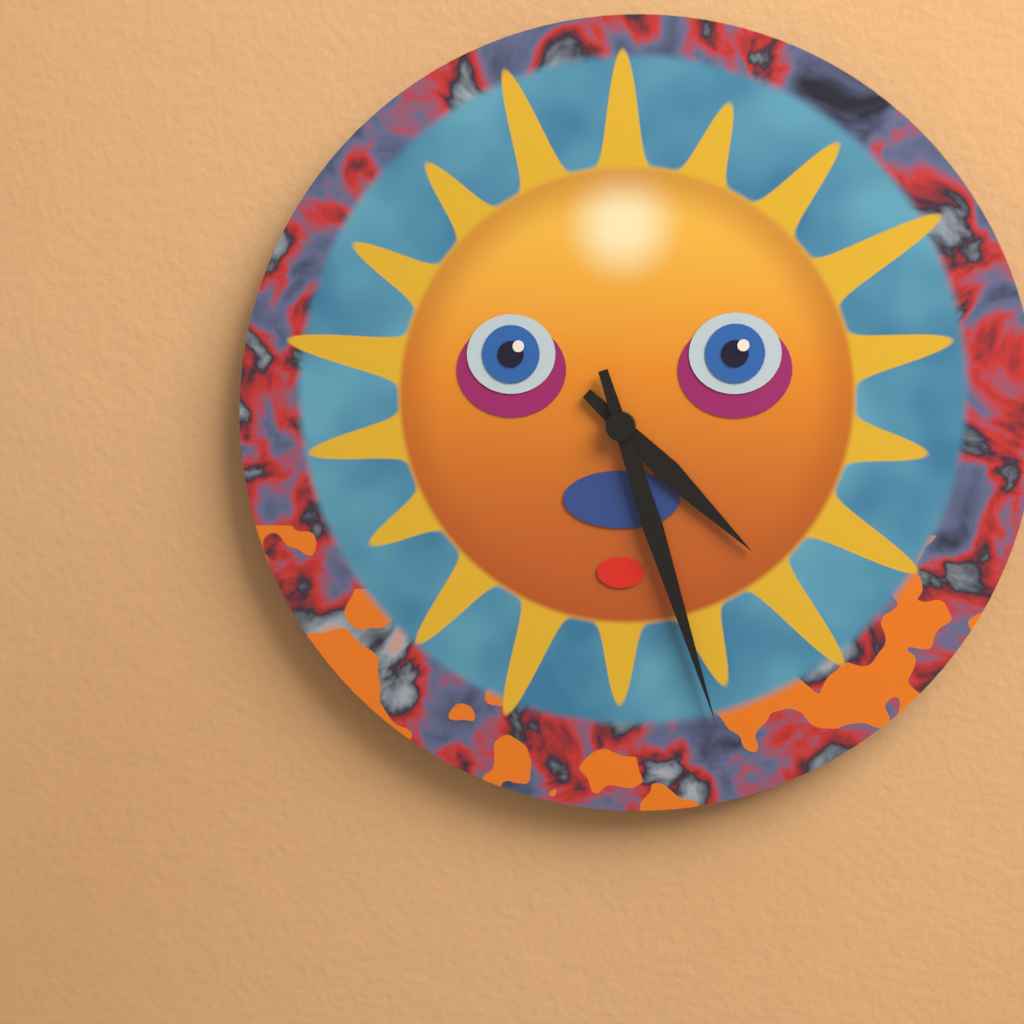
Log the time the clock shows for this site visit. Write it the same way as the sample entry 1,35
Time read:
4,27
